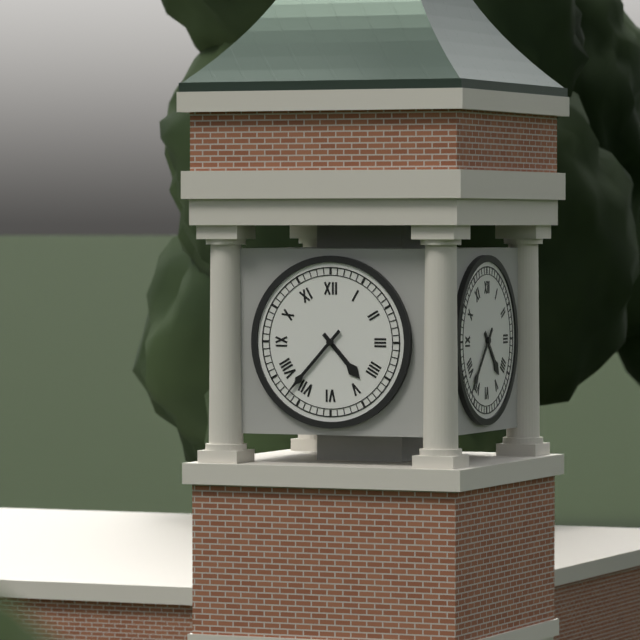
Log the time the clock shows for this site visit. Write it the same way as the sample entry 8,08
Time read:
4,37
